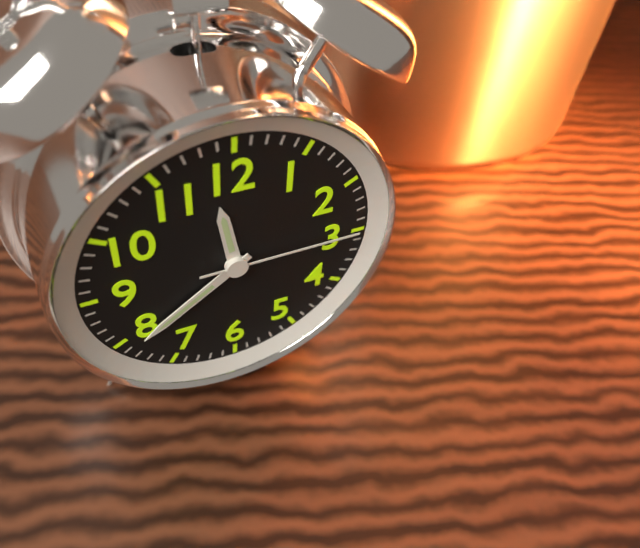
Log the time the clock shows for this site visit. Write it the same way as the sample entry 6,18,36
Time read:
11,39,15
